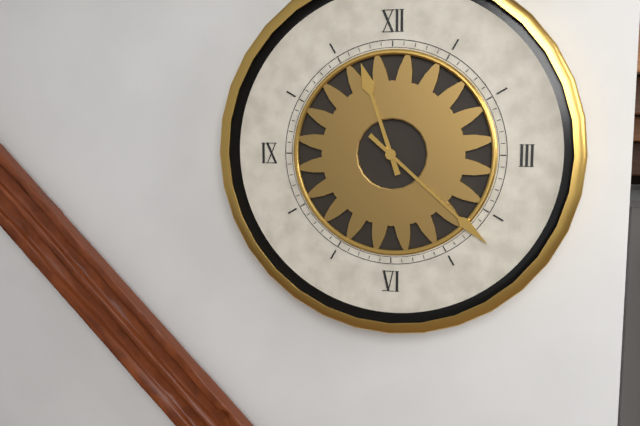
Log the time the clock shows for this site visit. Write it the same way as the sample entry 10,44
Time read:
11,22
